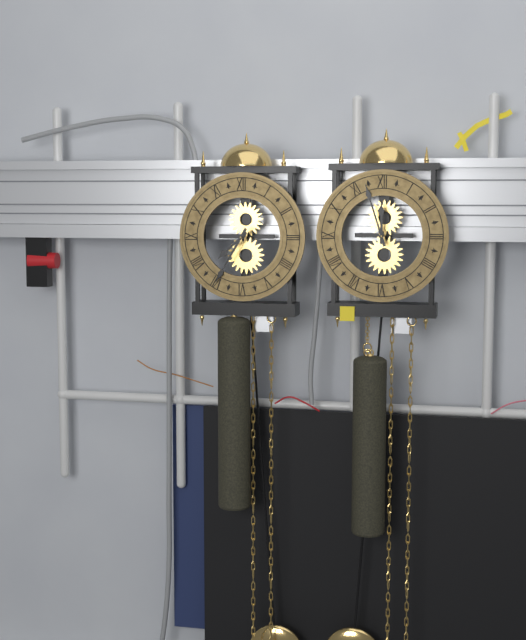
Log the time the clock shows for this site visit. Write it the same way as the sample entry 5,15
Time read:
7,35
